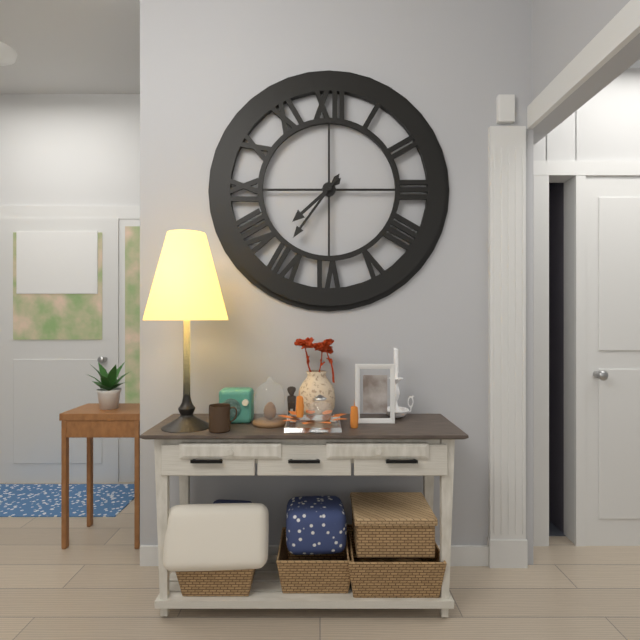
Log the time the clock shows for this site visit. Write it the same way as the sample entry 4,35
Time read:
7,36
